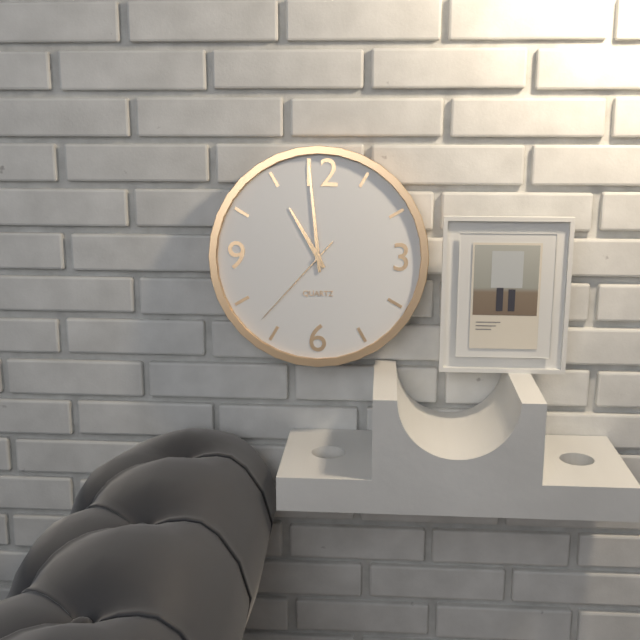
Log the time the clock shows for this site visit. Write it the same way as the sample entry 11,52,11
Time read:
10,59,37
